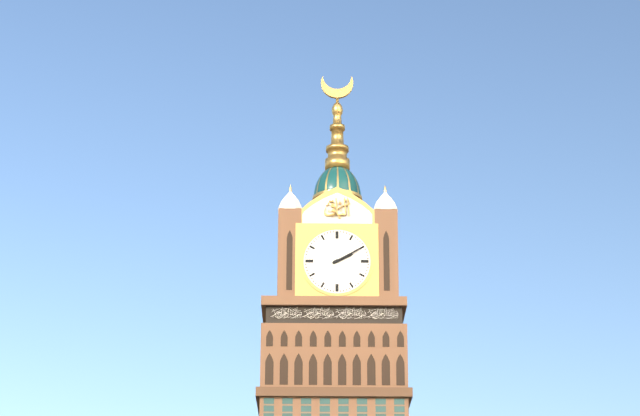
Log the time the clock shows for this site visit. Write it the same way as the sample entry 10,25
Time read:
2,10
